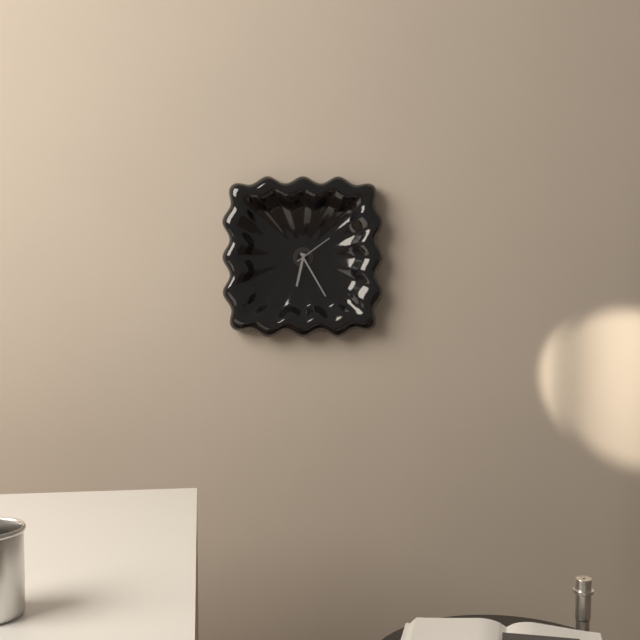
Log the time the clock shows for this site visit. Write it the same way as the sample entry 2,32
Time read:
6,25
